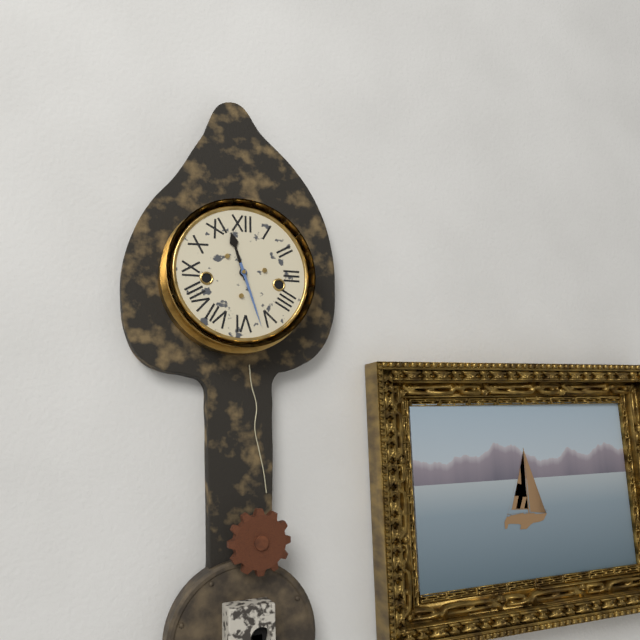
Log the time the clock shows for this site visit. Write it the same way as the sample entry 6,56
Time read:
11,27
